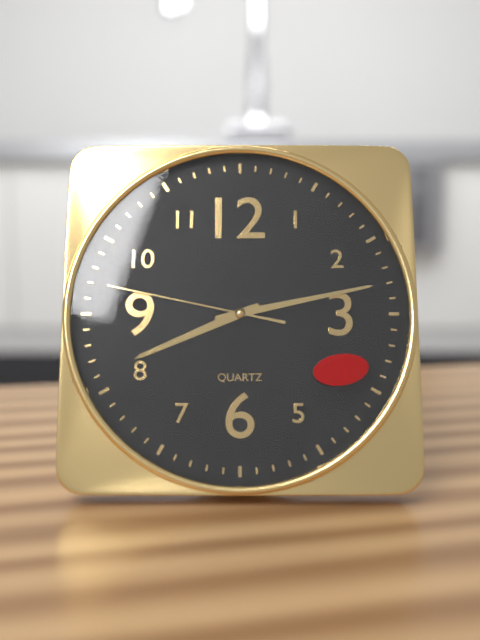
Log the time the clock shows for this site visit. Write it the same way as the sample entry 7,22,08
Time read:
8,13,47
